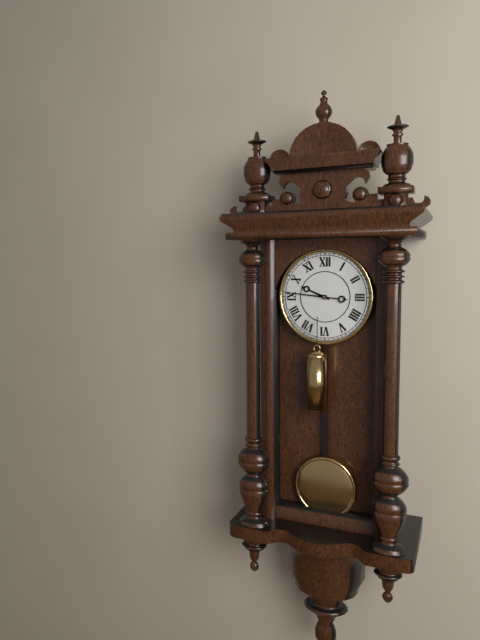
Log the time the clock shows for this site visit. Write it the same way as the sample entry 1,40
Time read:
9,46
